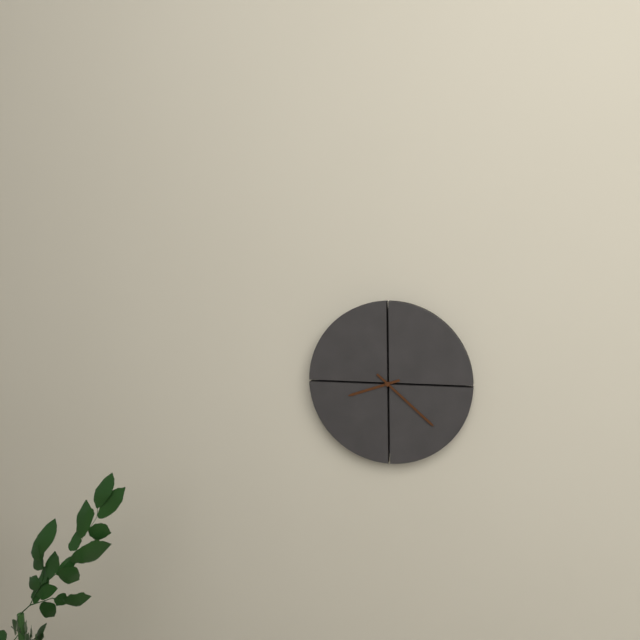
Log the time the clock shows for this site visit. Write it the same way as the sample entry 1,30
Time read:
8,22
